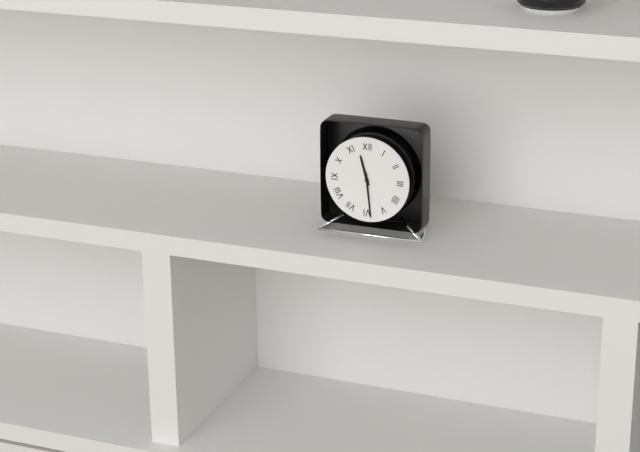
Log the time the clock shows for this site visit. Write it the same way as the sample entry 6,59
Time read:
11,29
